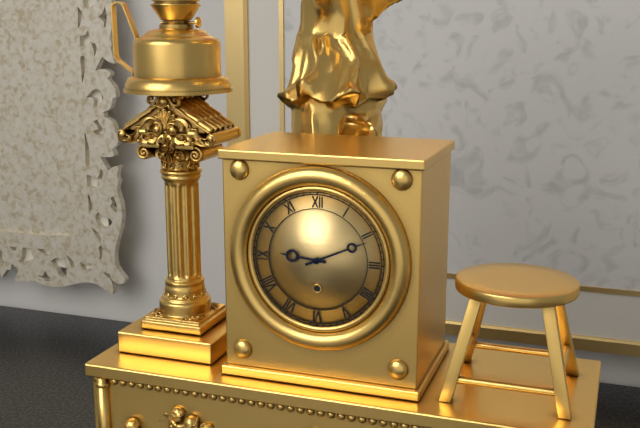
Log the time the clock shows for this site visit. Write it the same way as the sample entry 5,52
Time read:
9,11
